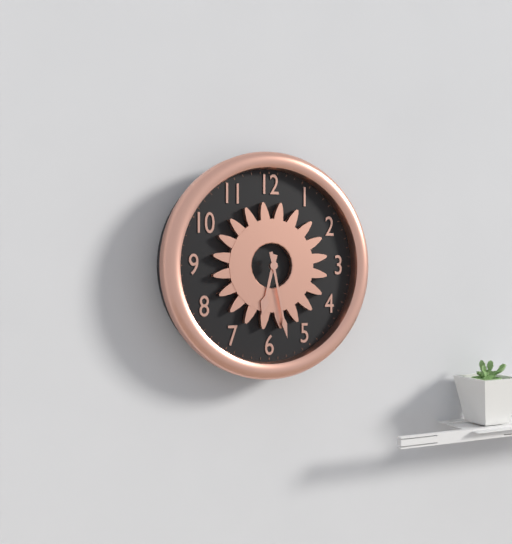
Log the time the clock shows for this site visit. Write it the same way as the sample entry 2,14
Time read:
6,28
